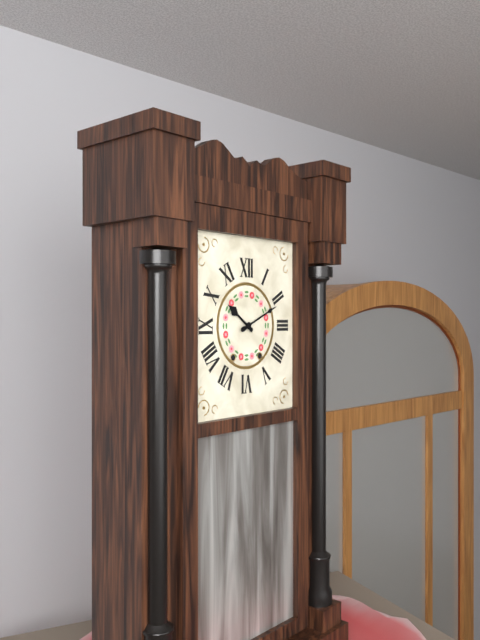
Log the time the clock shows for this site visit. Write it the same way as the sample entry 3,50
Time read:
10,11
